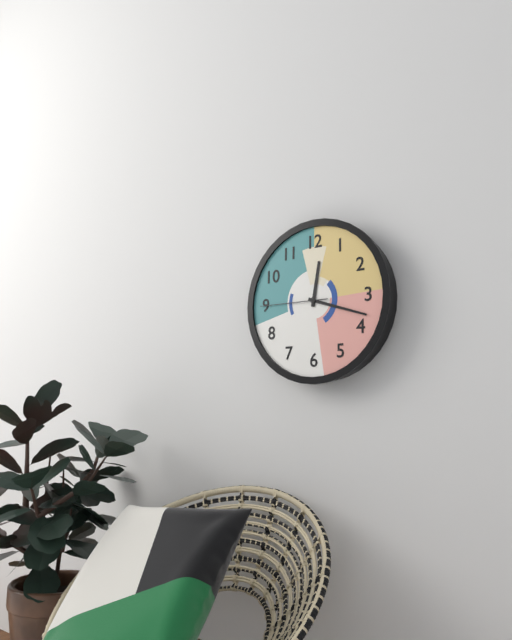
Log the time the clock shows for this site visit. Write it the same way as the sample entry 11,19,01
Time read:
12,18,45
